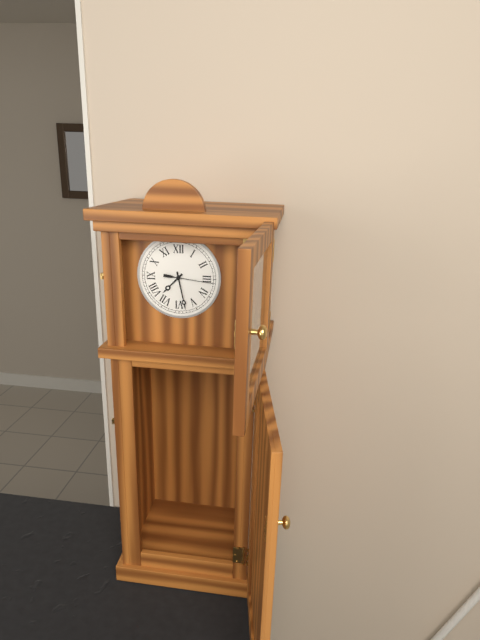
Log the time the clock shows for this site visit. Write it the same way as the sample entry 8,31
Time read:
7,28
